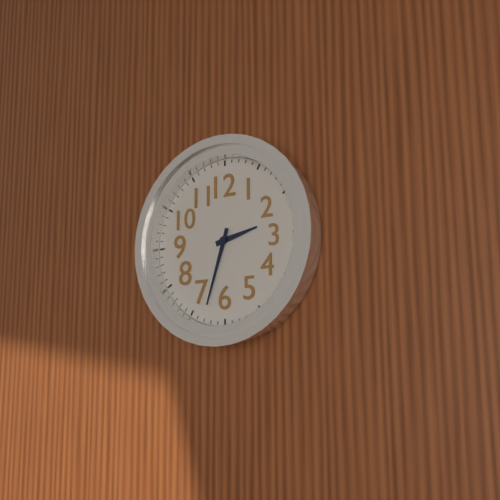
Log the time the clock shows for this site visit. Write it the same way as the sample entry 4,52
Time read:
2,33
